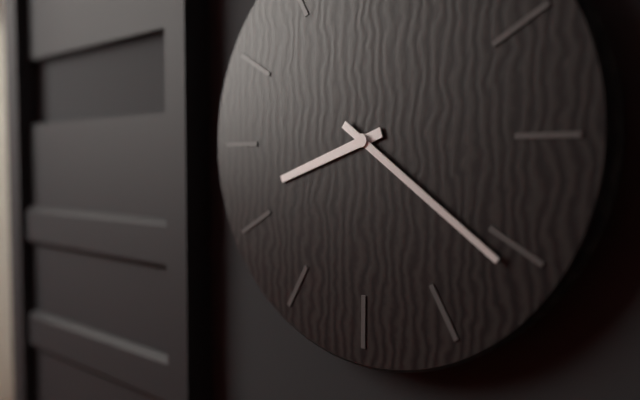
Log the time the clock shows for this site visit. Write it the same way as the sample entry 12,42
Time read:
8,21
